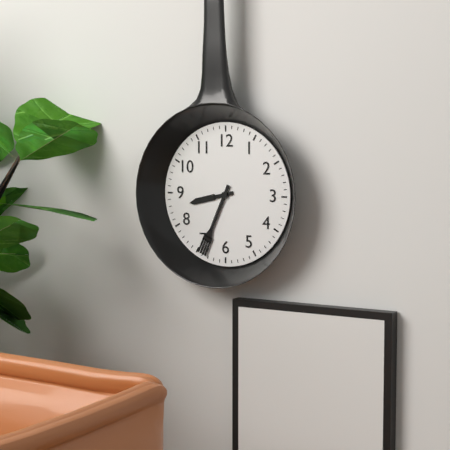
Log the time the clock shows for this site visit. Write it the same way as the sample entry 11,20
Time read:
8,34
